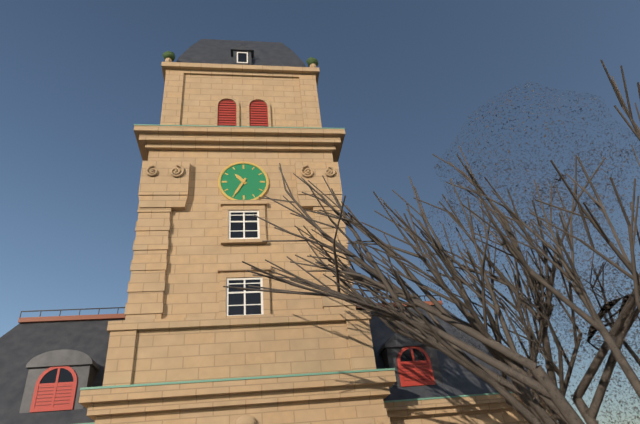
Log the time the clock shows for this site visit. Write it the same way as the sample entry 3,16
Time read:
10,35
